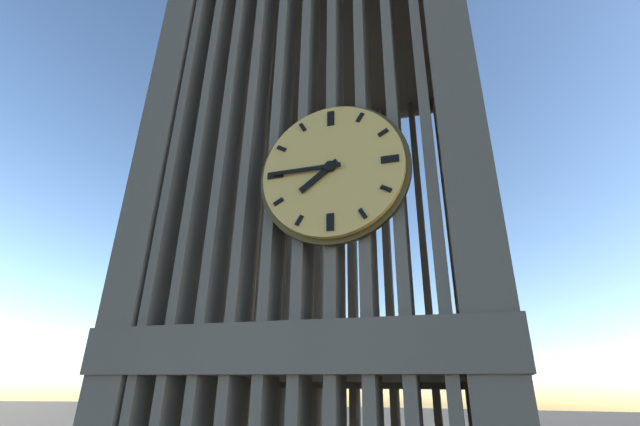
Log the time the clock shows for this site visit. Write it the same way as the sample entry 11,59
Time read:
7,45
